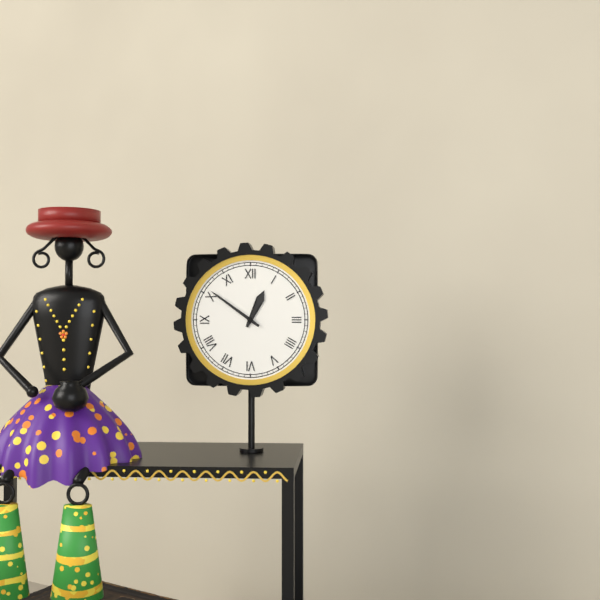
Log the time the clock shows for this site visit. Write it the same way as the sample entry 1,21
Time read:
12,51
